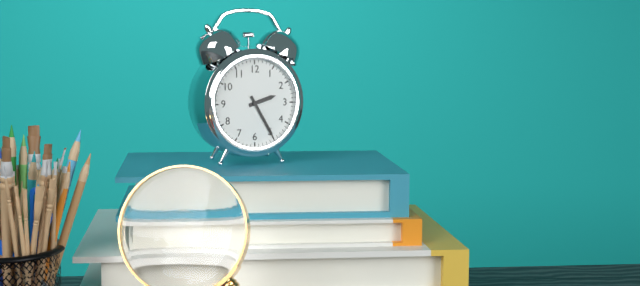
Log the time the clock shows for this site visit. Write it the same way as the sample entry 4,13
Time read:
2,25
